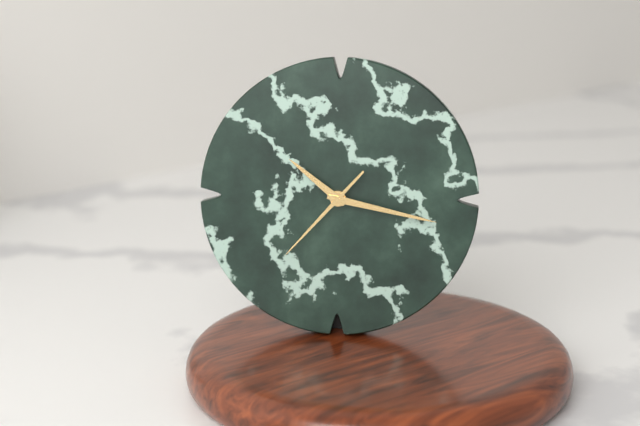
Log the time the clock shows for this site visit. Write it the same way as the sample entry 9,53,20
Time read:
10,17,37
